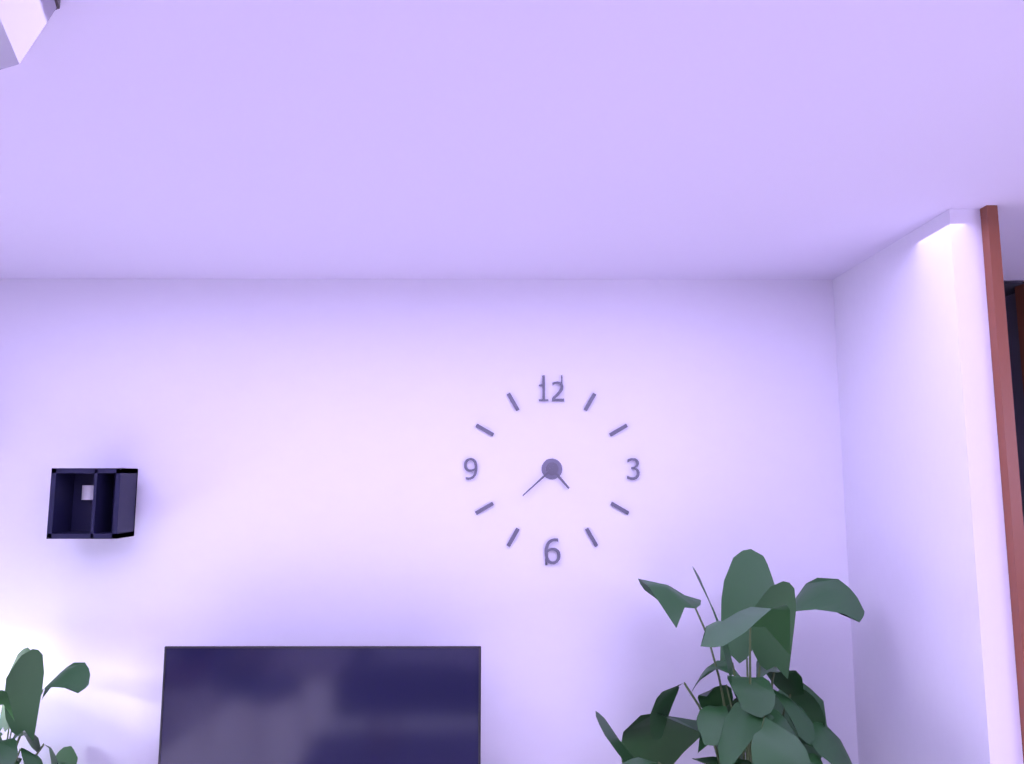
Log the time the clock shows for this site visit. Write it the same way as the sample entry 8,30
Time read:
4,38
